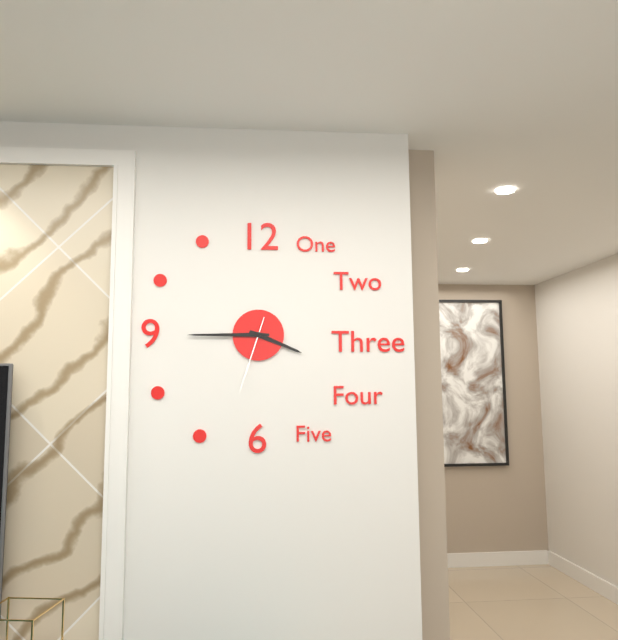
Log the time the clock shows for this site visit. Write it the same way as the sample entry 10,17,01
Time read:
3,45,33
